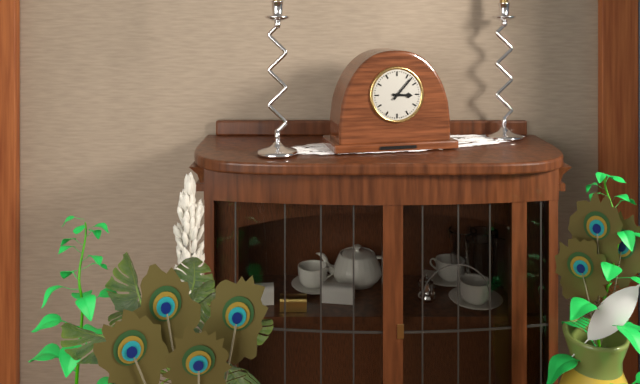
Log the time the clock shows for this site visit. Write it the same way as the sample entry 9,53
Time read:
3,07
